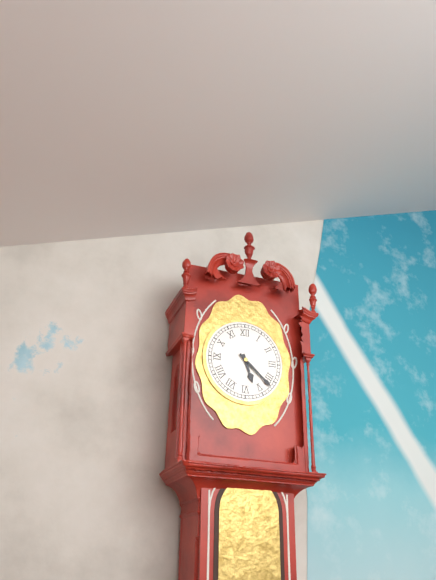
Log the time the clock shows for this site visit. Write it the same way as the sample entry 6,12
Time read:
5,22
